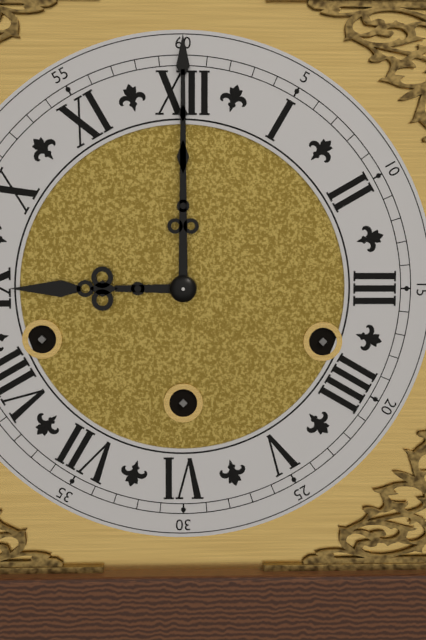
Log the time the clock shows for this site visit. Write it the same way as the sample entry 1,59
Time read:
9,00
